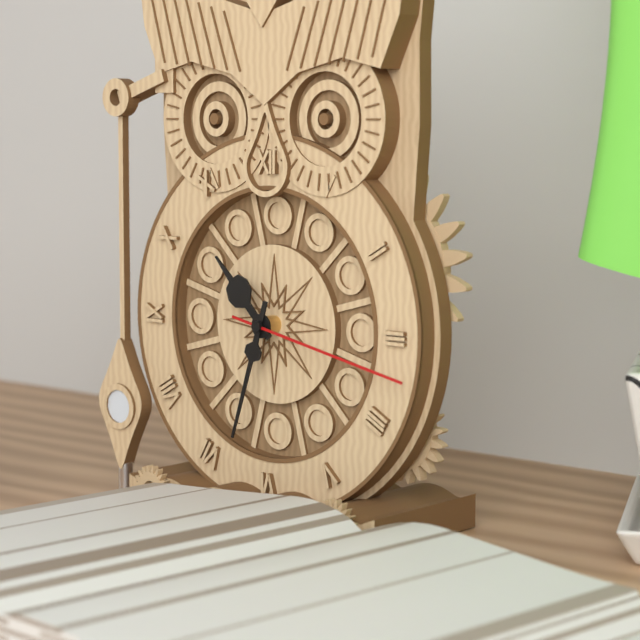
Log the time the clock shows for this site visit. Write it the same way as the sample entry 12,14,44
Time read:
10,33,17
